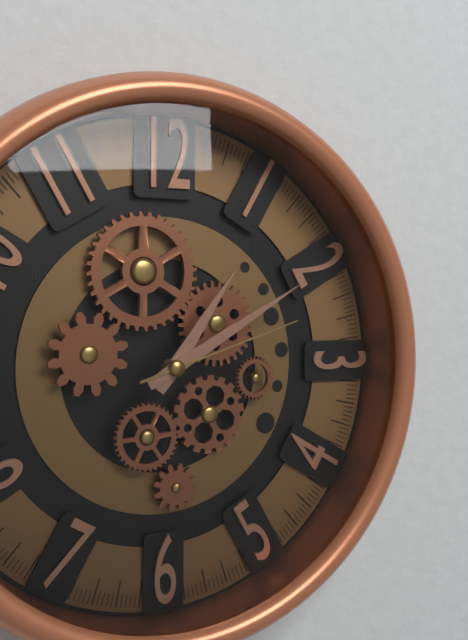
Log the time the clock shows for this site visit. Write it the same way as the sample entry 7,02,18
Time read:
1,10,12
